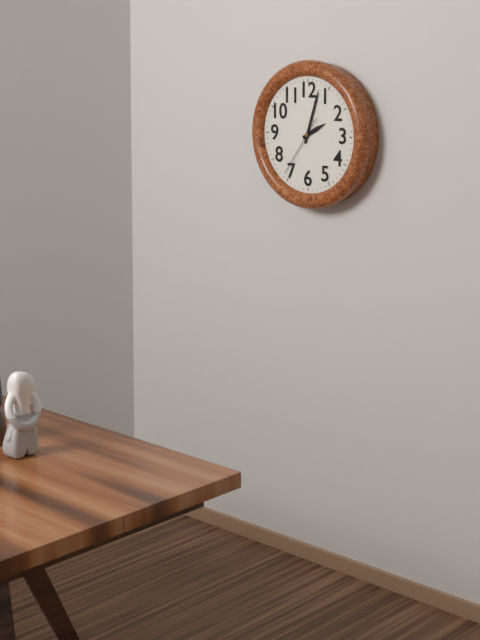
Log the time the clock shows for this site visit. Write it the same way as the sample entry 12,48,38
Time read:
2,03,36
